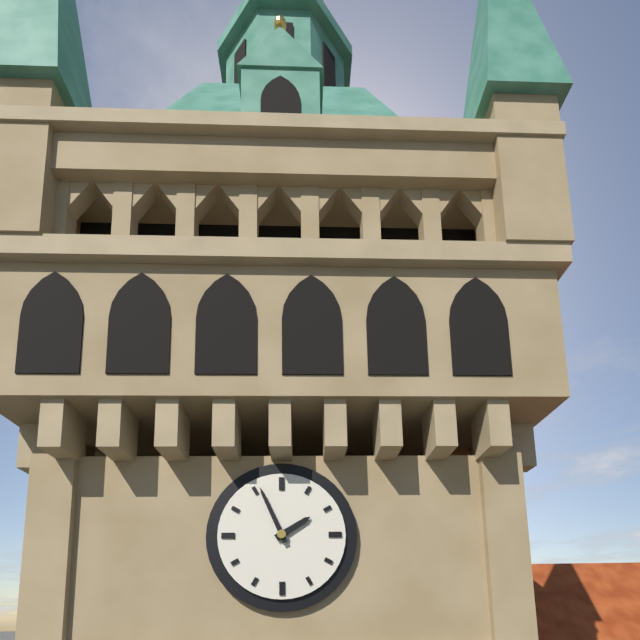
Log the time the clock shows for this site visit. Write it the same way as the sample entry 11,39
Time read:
1,56
